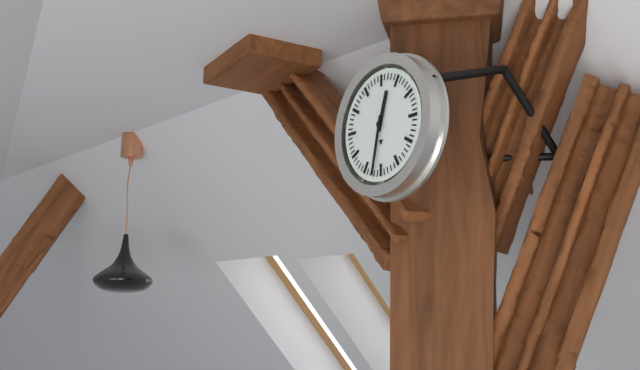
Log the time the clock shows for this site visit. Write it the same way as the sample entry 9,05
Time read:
12,32
